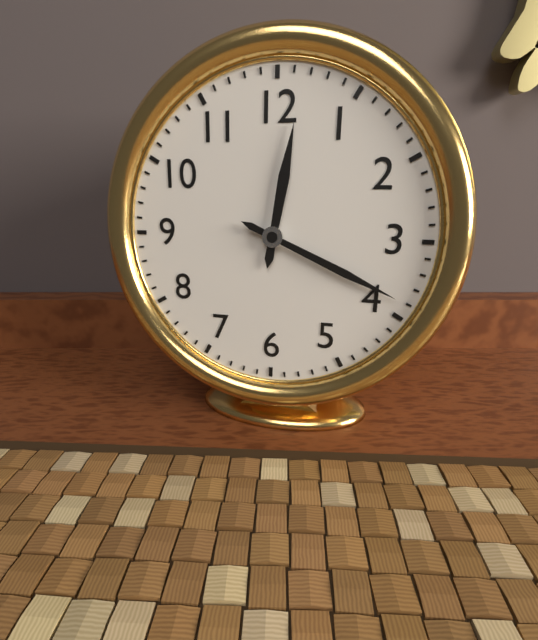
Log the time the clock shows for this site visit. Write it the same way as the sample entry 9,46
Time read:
12,19
